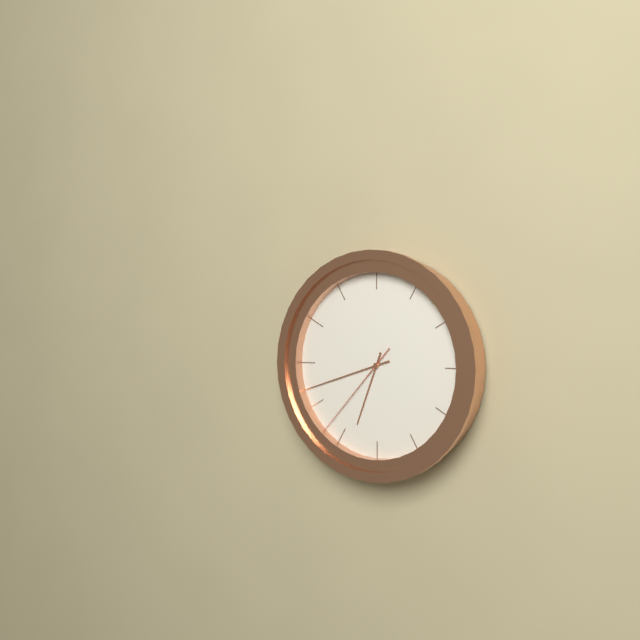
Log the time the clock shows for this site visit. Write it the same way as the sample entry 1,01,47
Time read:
6,42,37
